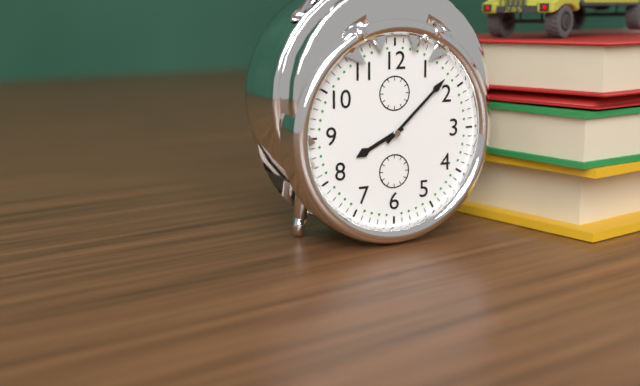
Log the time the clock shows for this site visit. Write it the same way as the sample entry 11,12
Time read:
8,08
